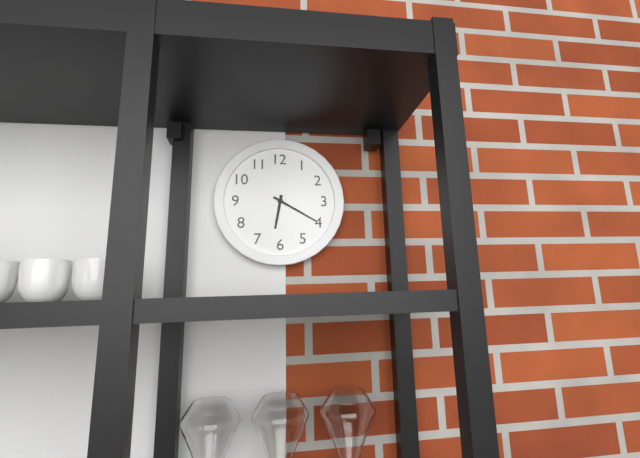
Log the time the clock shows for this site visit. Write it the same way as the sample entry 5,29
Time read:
6,20
